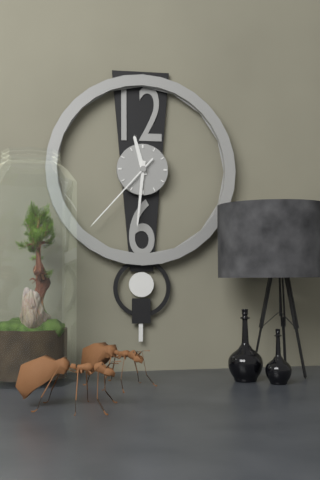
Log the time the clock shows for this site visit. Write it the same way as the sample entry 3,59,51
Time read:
11,31,37
